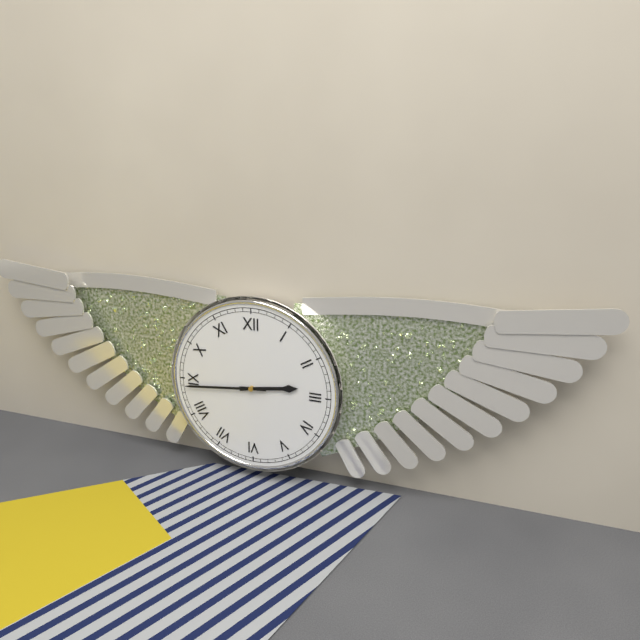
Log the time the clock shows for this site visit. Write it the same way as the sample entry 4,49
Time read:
2,44
